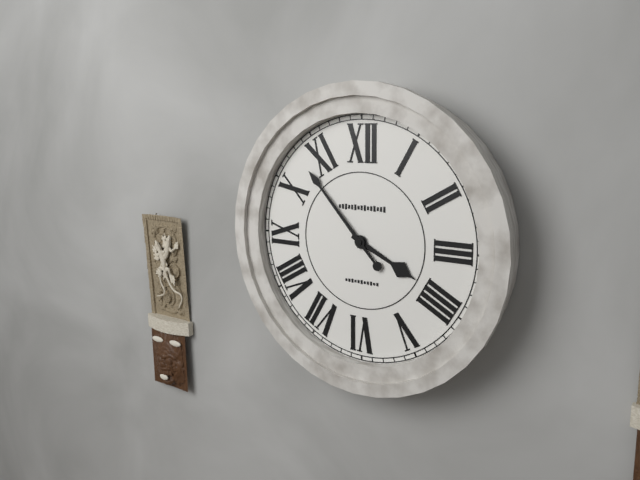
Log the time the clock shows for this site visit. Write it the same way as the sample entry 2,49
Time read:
3,53
